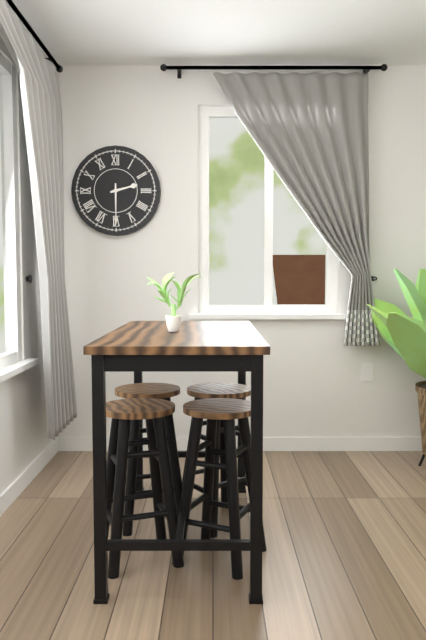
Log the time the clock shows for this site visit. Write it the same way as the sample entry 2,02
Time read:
2,30
